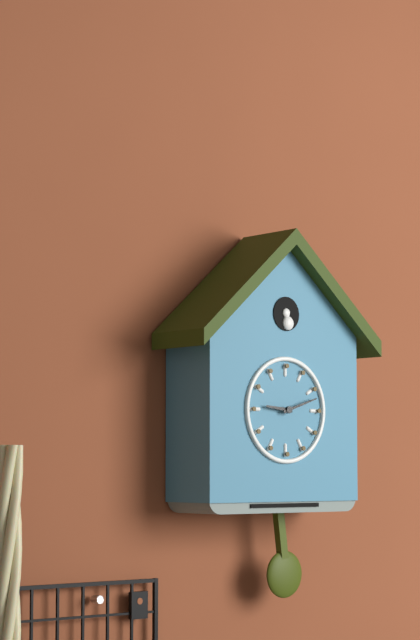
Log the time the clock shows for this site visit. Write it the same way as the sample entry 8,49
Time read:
9,12
